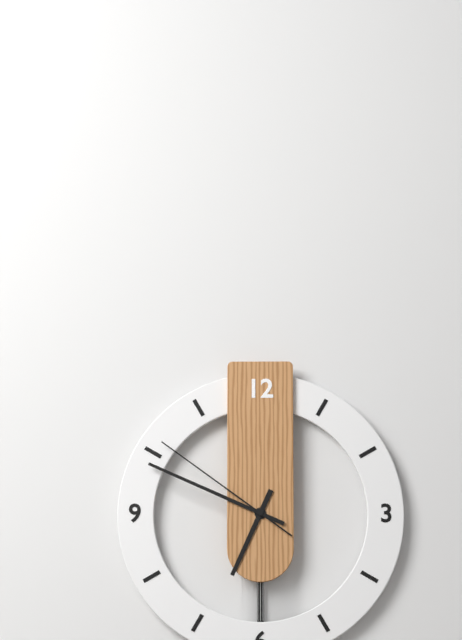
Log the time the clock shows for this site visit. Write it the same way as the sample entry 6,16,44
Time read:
6,49,51
